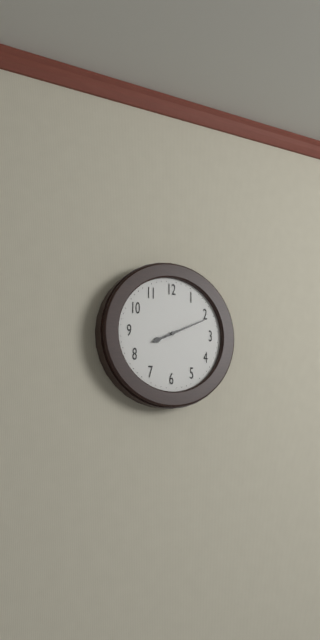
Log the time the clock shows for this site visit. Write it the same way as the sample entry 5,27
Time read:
8,11
